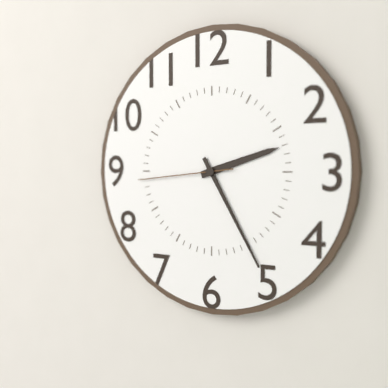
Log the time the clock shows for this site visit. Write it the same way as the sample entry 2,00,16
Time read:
2,25,44
